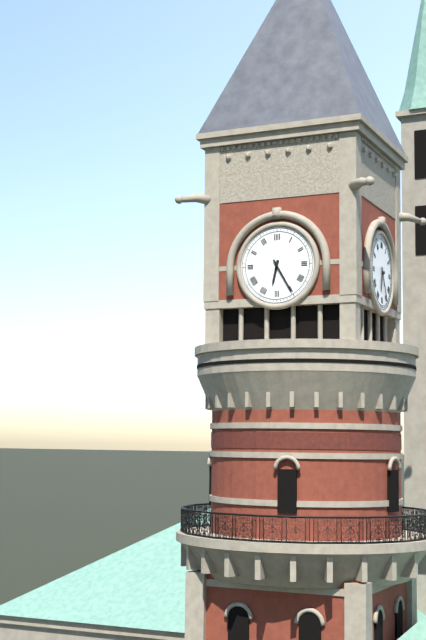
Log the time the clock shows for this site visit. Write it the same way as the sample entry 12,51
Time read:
6,25
